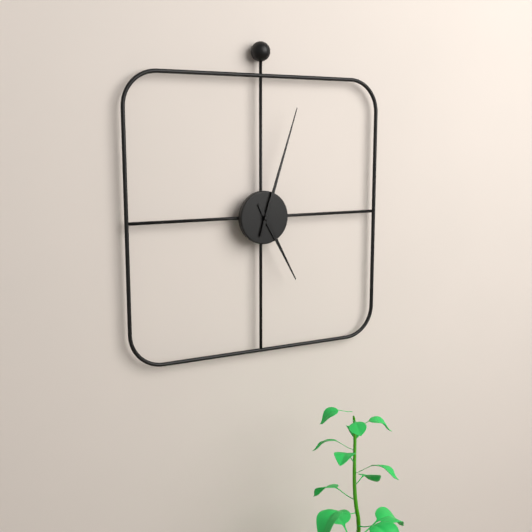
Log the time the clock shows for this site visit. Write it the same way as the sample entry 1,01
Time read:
5,03
